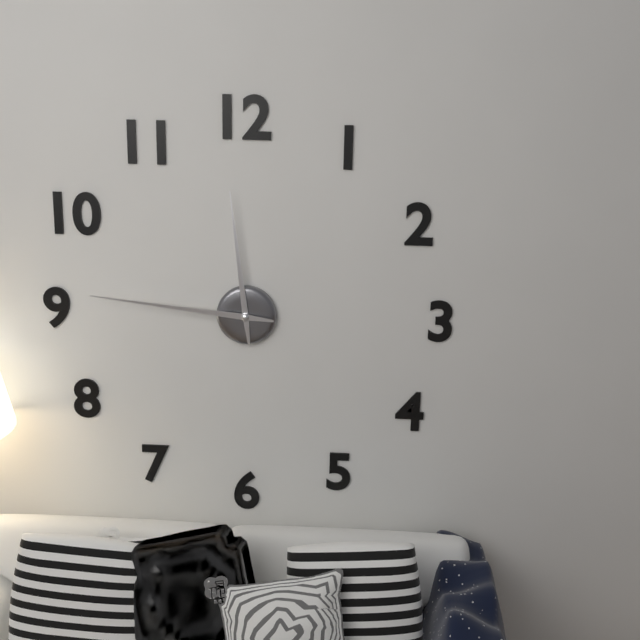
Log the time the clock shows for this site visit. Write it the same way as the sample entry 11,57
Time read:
11,46
